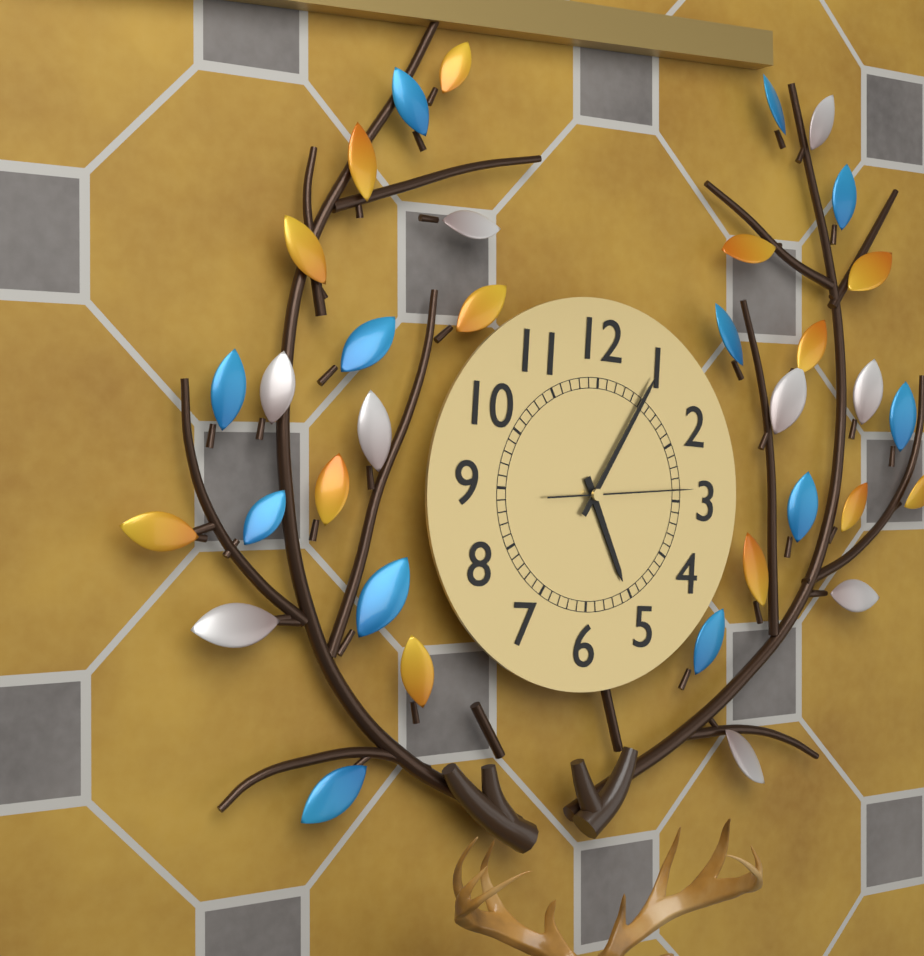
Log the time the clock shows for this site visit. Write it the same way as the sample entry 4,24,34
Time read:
5,05,14
